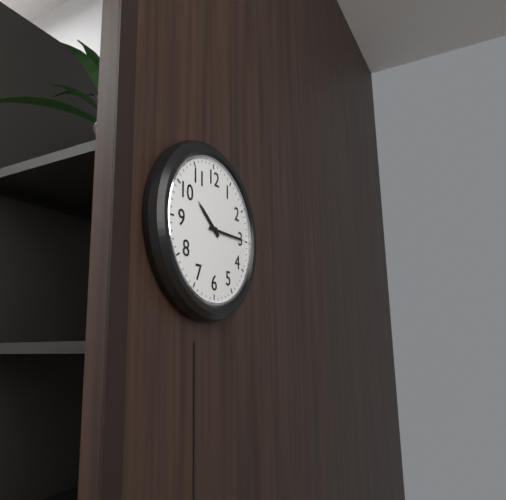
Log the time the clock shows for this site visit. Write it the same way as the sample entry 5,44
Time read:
10,15
